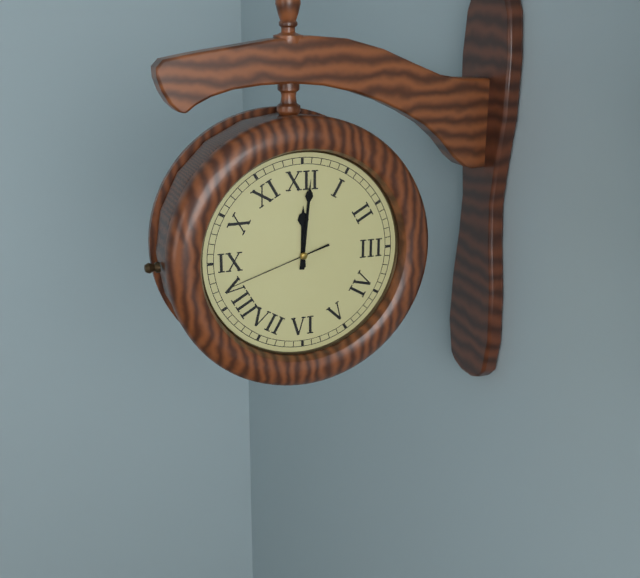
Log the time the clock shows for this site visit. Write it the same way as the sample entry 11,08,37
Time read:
12,01,42
